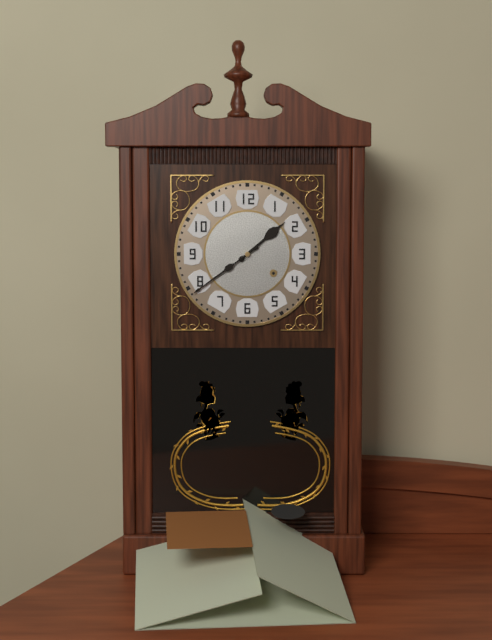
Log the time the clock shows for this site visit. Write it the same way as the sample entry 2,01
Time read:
1,39
